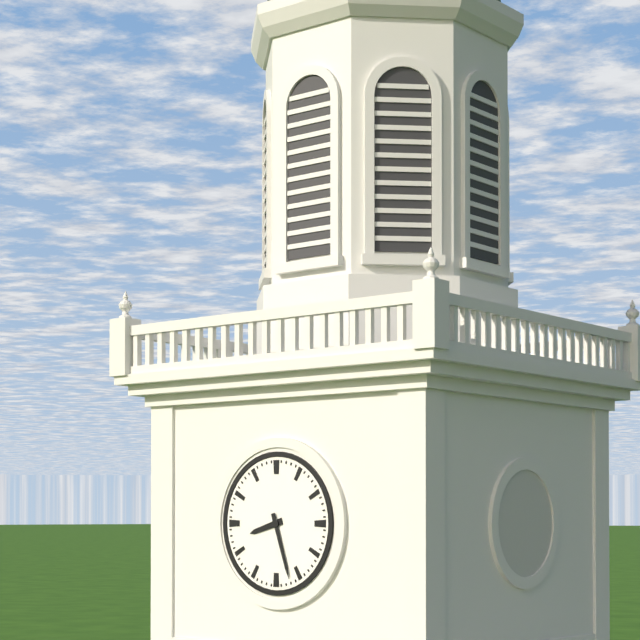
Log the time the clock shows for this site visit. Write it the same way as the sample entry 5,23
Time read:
8,27
